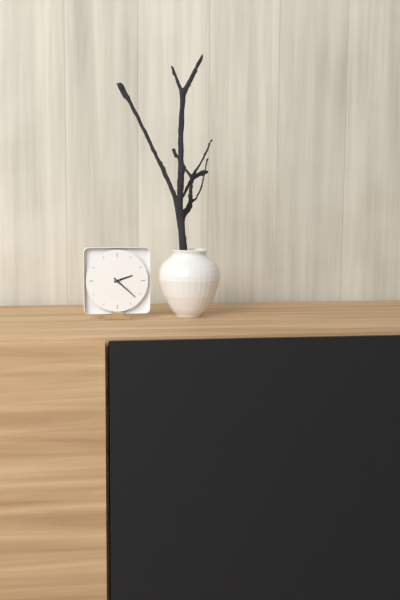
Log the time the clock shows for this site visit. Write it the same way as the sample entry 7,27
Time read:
2,22
